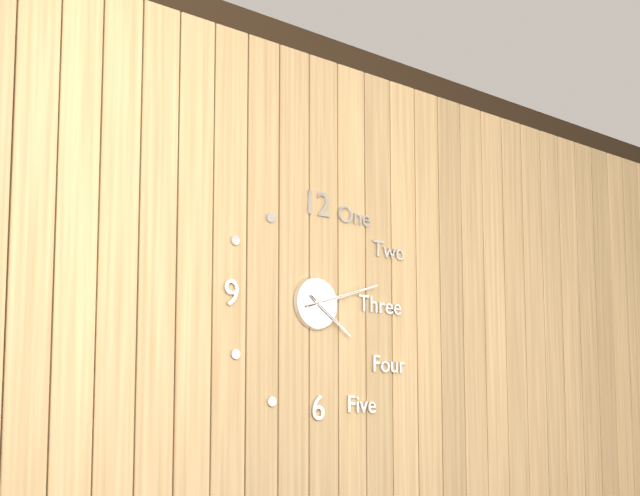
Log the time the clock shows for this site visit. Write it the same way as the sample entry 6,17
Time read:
4,12
